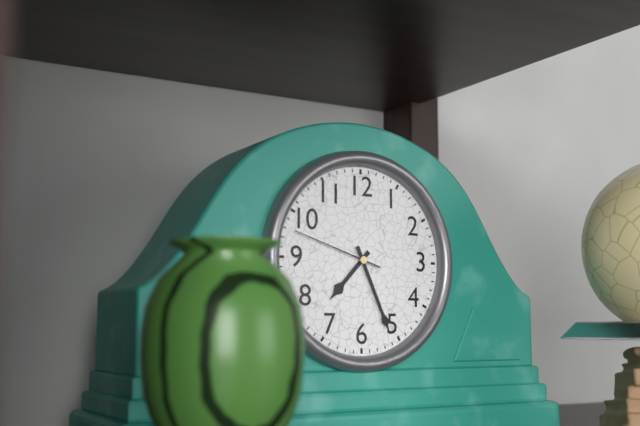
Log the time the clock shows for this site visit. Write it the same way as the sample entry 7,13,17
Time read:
7,26,48
